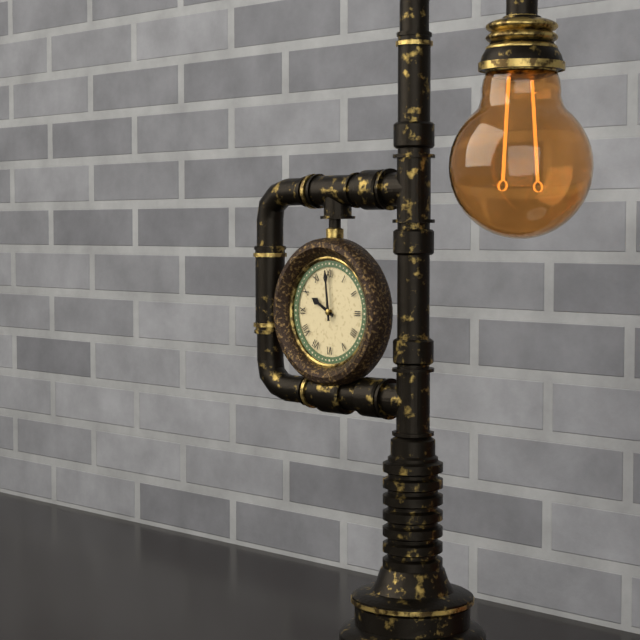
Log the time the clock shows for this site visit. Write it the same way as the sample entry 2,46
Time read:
9,59
